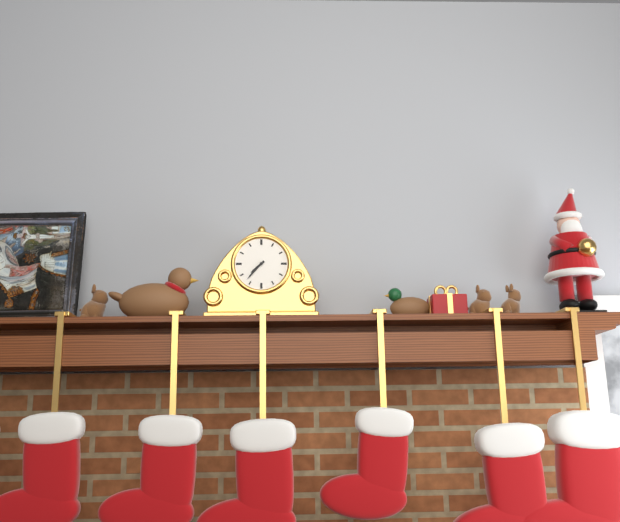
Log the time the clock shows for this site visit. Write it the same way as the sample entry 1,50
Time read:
7,37
